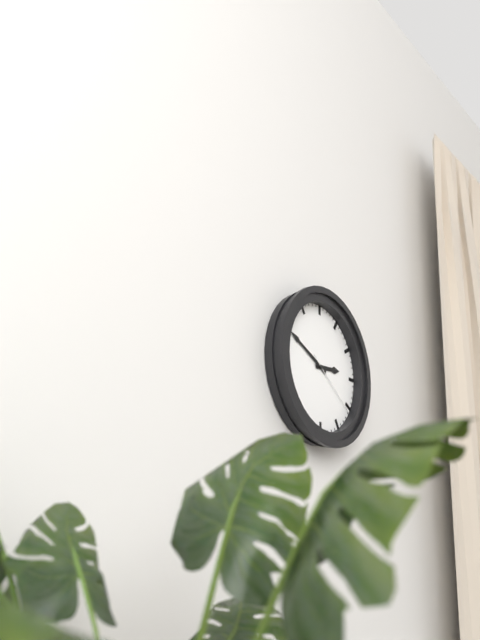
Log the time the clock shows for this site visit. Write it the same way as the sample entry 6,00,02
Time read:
2,49,21
